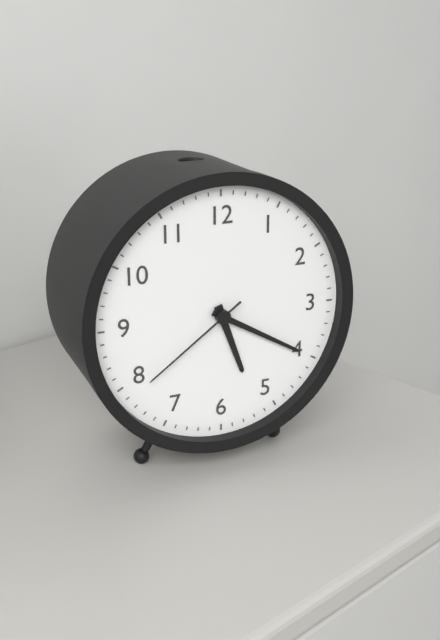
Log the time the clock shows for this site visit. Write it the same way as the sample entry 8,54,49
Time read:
5,20,39
